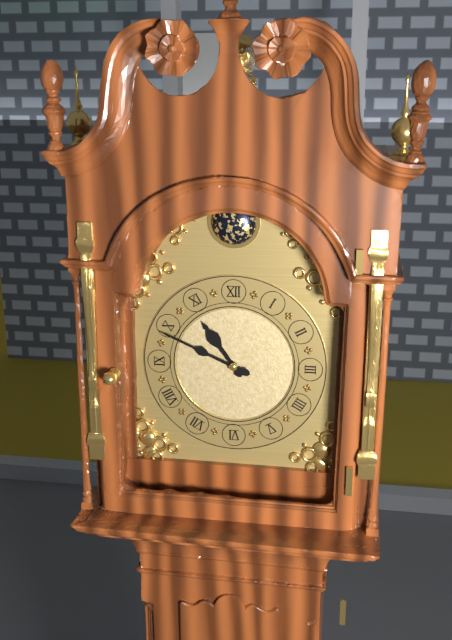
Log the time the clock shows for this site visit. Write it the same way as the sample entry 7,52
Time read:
10,49
